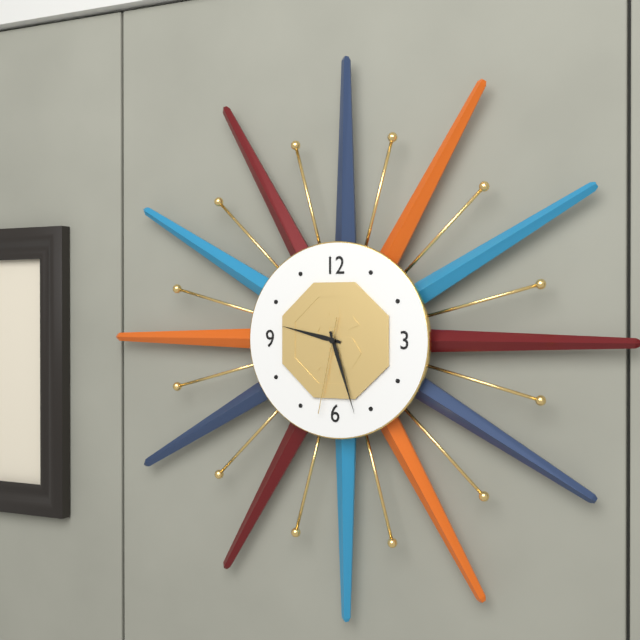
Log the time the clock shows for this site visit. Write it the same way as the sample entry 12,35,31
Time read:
9,27,32
